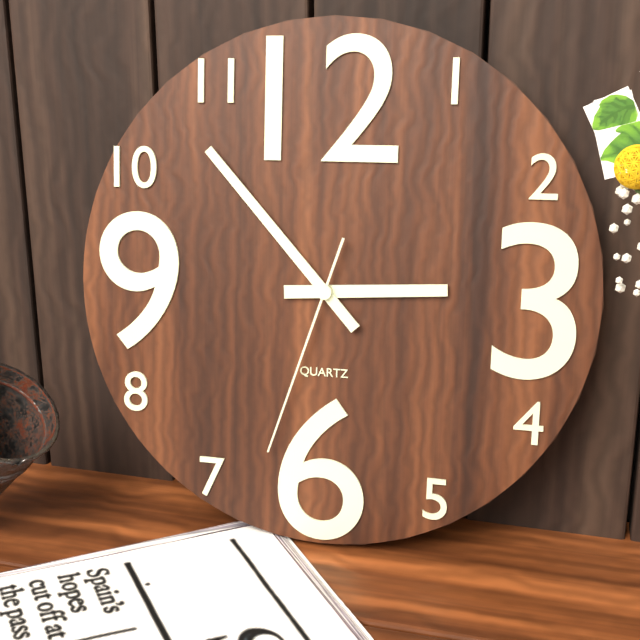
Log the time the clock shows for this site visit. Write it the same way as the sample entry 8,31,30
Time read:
2,53,33
